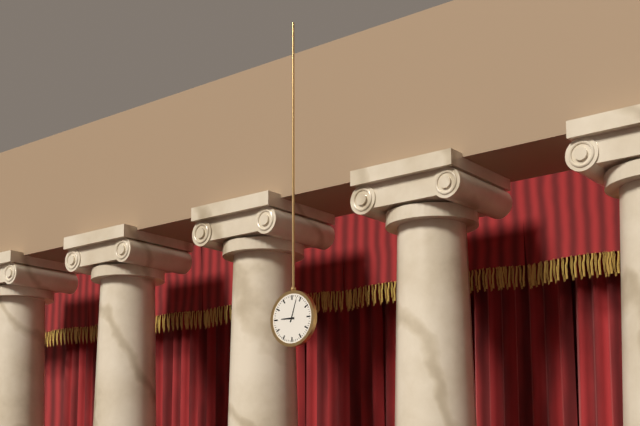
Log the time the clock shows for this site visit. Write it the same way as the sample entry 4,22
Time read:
9,03
